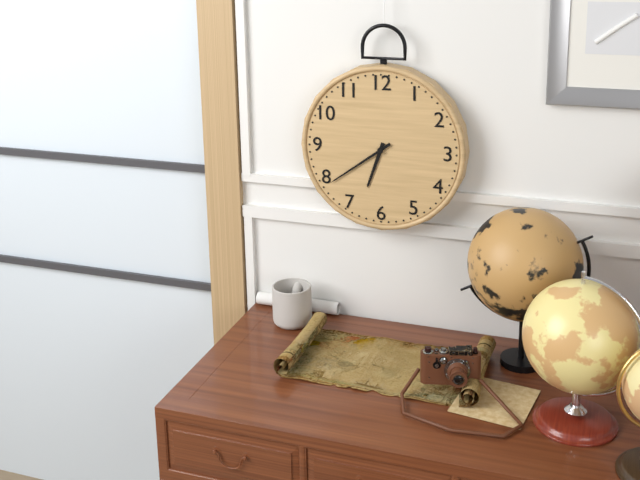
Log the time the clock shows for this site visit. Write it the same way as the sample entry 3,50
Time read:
6,39
